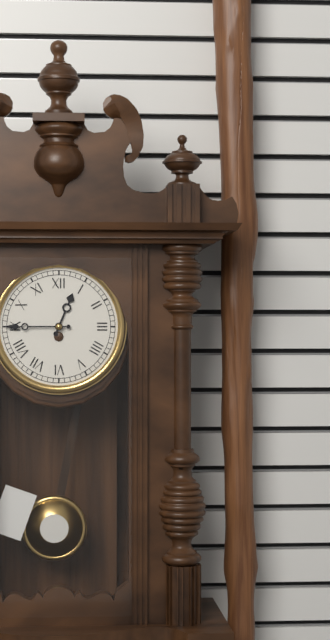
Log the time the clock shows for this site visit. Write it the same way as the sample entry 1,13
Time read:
12,45
